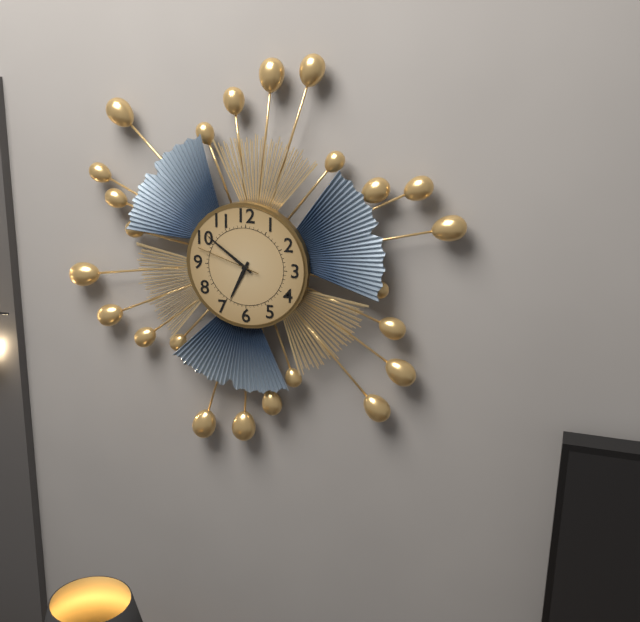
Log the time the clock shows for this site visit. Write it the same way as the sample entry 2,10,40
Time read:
6,51,48
